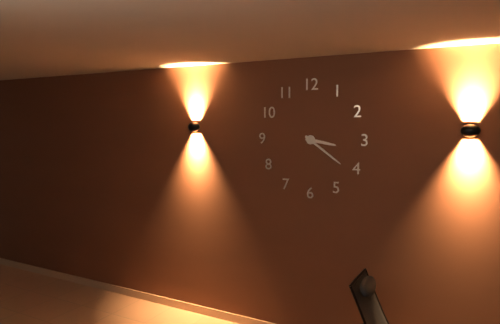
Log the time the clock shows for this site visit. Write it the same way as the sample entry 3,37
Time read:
3,21
